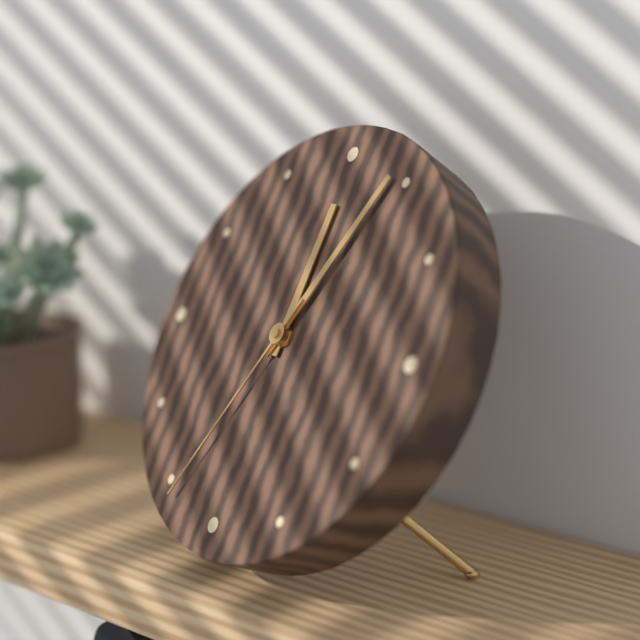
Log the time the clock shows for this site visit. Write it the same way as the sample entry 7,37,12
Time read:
12,04,34
